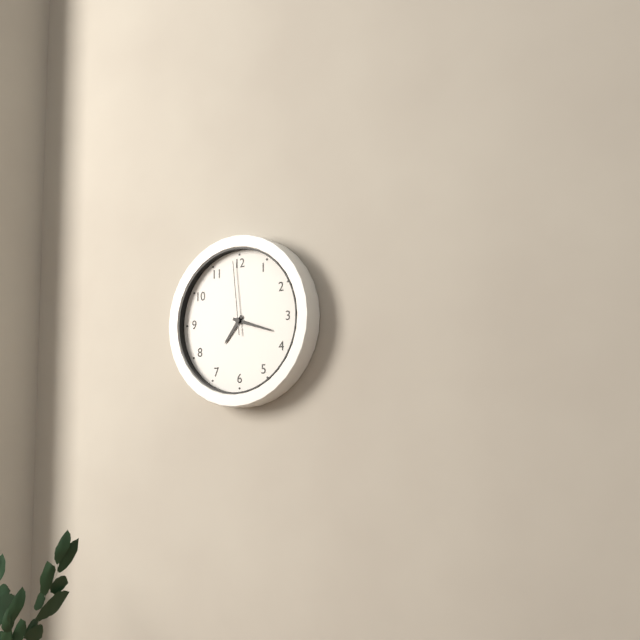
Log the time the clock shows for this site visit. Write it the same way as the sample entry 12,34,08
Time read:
7,18,59
